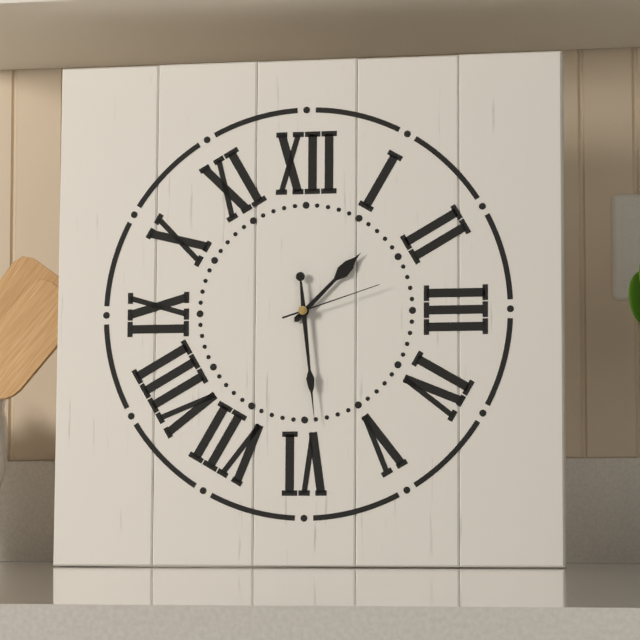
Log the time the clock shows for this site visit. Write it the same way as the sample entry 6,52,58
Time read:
1,29,12
